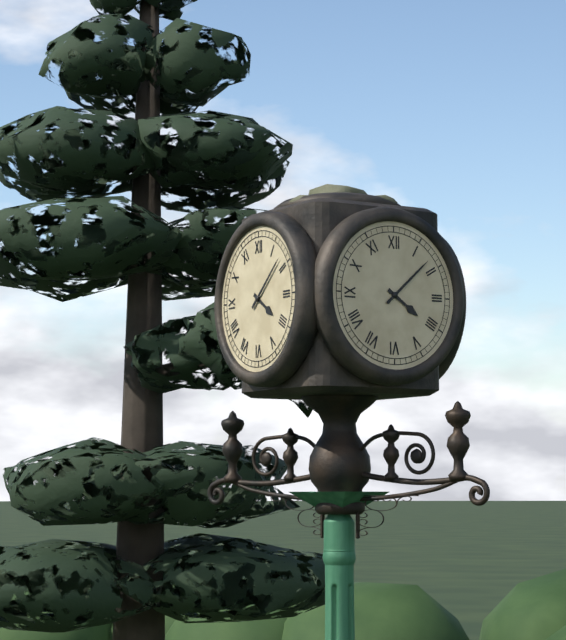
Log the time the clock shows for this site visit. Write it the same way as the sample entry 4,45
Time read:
4,08
